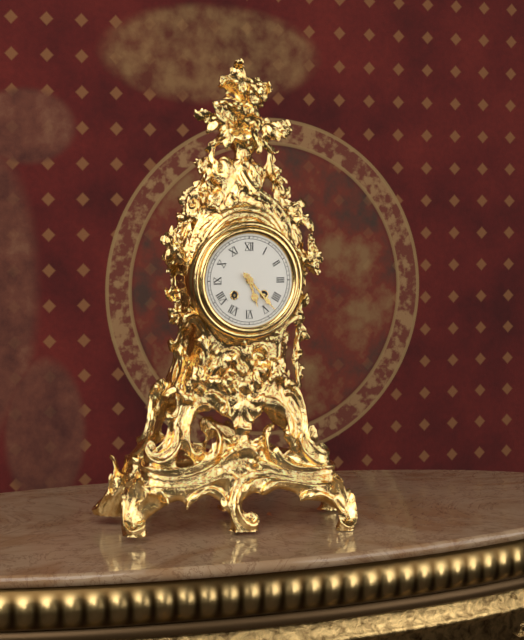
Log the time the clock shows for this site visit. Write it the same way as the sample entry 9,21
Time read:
5,23
